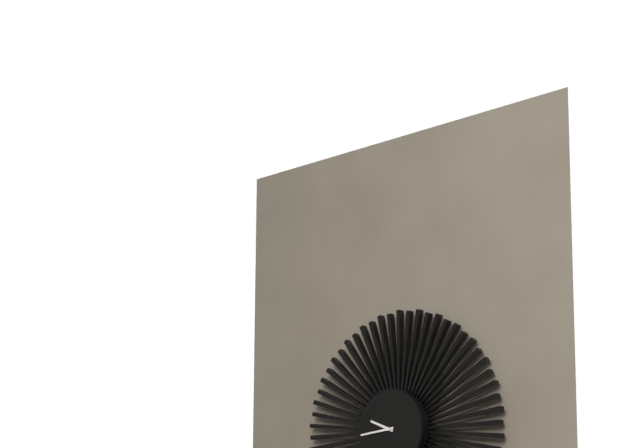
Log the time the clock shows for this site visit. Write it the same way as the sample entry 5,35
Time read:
9,44
